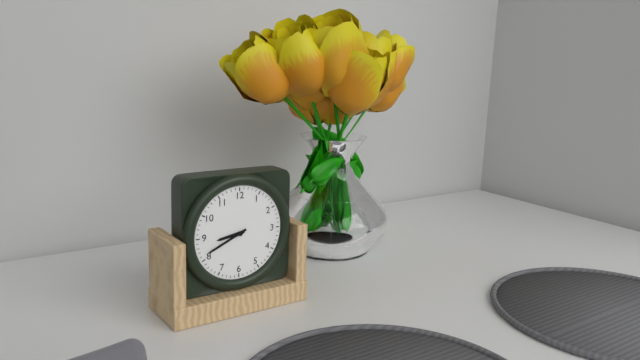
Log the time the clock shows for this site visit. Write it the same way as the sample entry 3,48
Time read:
8,41
